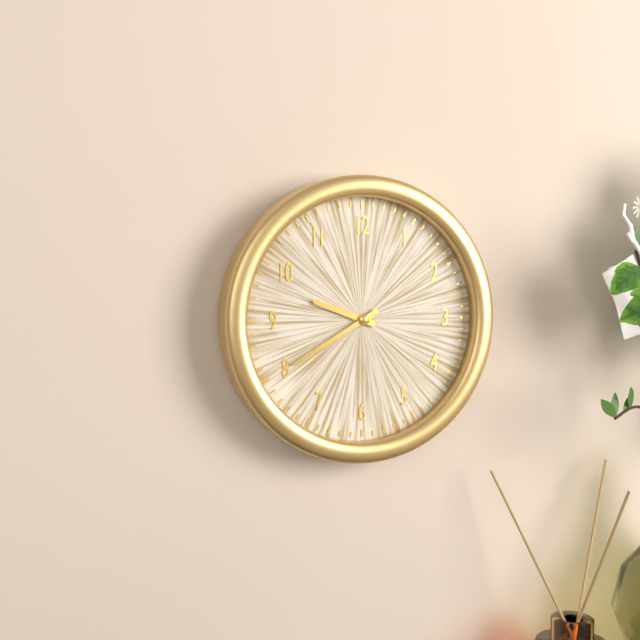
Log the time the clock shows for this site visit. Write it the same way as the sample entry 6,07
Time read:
9,40
